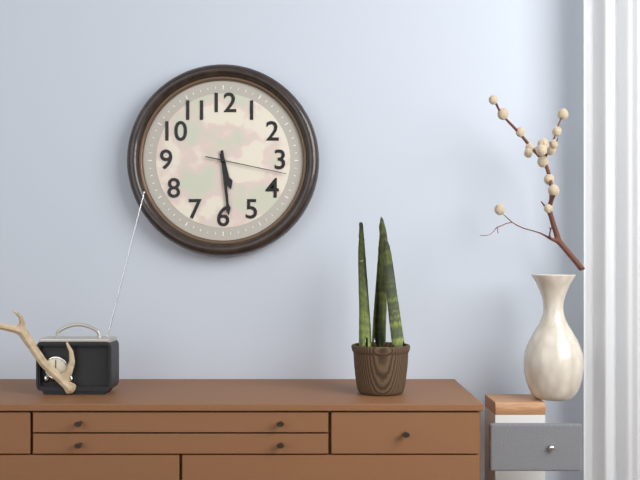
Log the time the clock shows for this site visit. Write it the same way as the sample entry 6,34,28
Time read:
5,29,17
